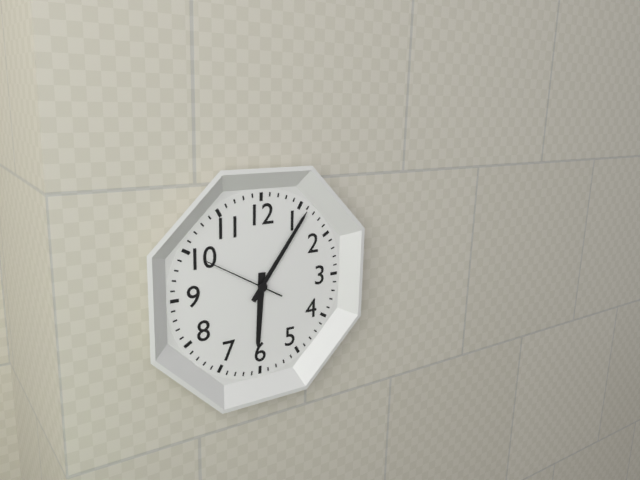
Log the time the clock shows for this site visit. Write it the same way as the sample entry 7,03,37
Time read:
6,06,50
